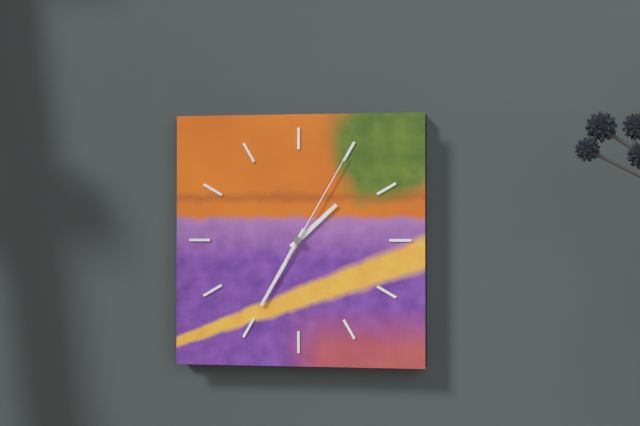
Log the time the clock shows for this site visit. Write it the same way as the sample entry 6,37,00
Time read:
1,35,05
